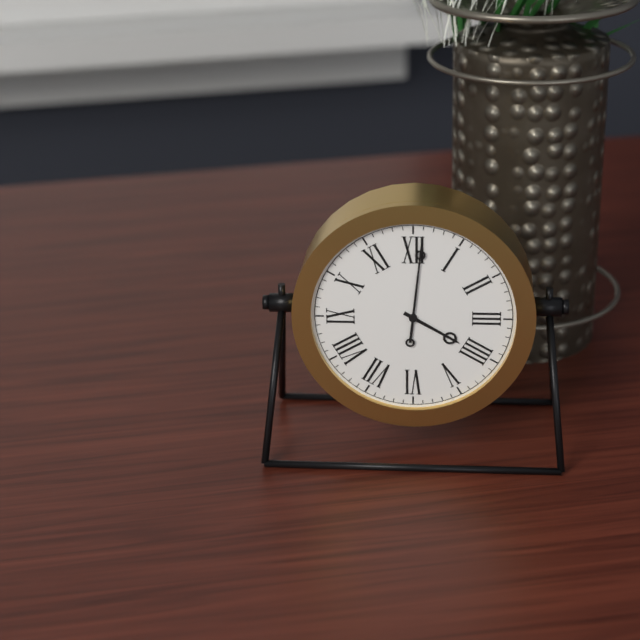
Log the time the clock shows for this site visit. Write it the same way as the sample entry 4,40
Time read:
4,01
